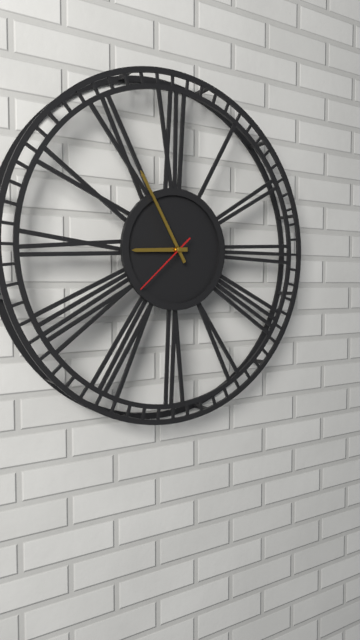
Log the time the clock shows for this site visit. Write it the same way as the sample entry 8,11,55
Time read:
8,55,38
